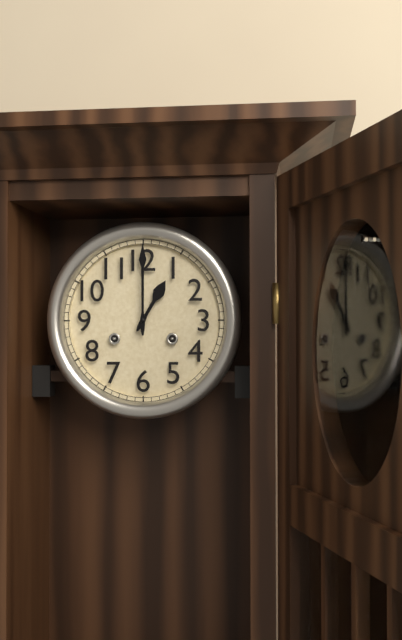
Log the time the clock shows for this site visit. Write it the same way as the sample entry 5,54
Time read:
1,00
